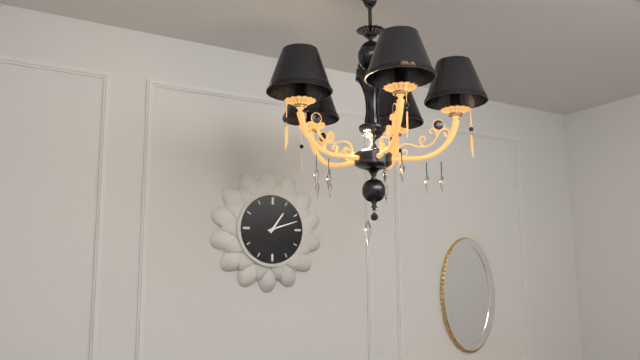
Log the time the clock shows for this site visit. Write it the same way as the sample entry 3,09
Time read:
1,12
